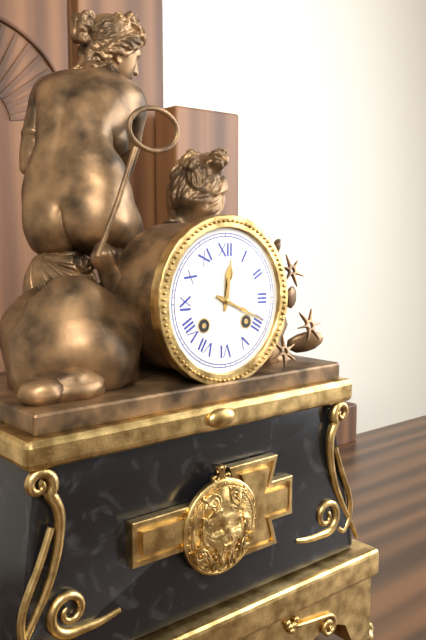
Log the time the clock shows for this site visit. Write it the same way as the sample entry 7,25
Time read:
12,19
